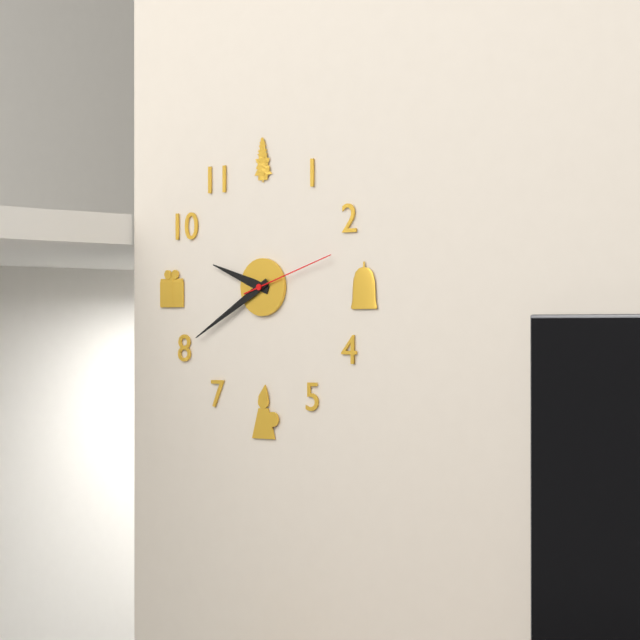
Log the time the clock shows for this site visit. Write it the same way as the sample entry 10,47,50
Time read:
9,40,12
